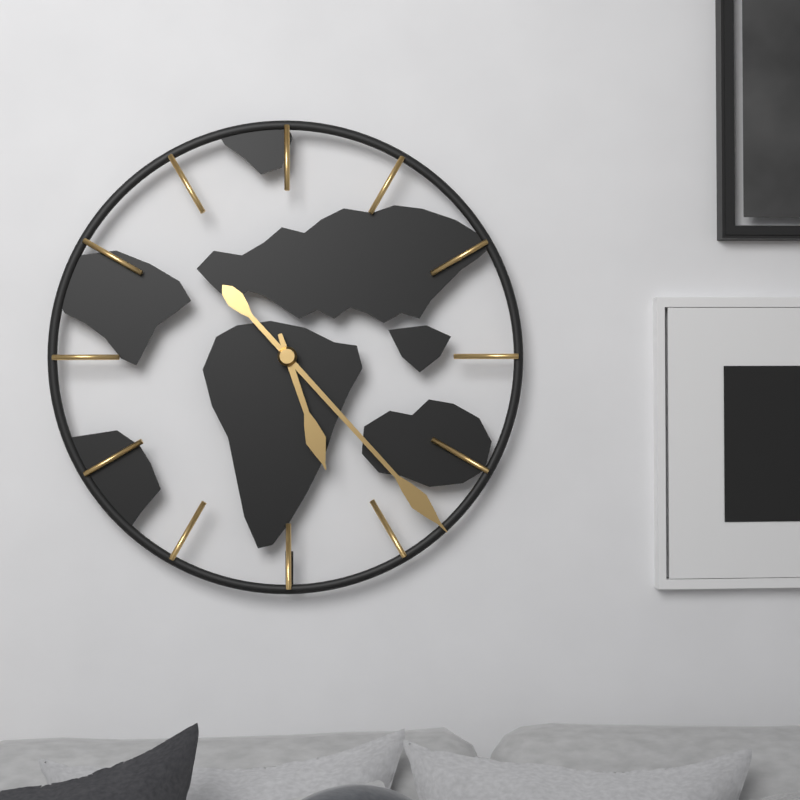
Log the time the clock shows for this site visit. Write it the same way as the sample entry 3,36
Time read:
5,23
